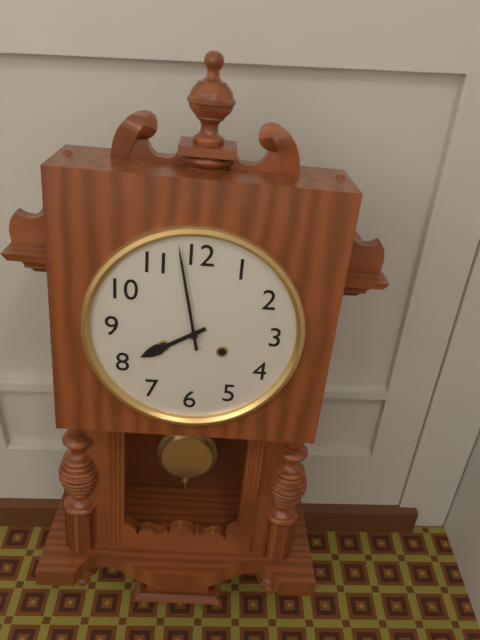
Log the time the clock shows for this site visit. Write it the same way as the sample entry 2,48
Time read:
7,58
